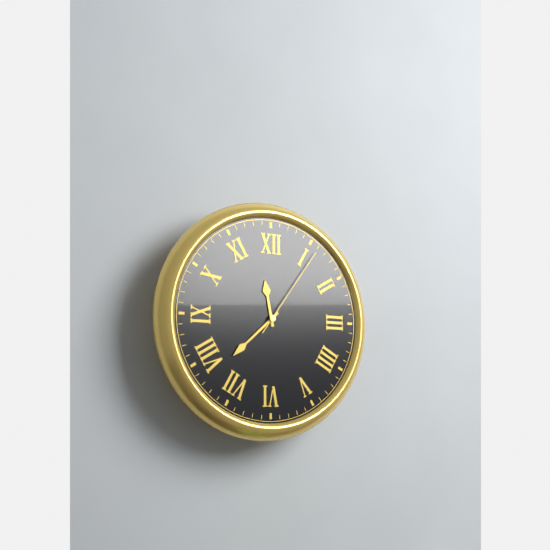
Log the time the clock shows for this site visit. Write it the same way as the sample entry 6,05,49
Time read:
11,38,06
